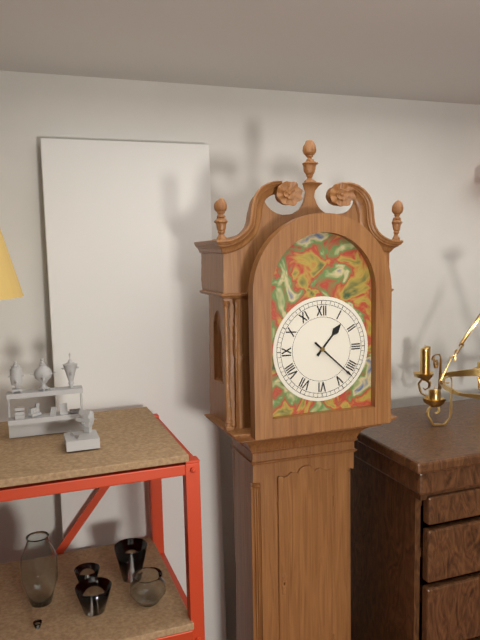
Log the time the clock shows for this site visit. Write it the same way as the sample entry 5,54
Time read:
1,22
